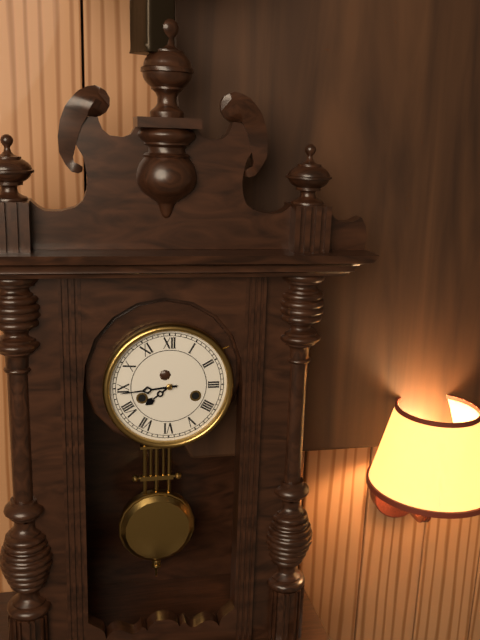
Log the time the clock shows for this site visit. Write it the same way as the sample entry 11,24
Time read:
7,44
